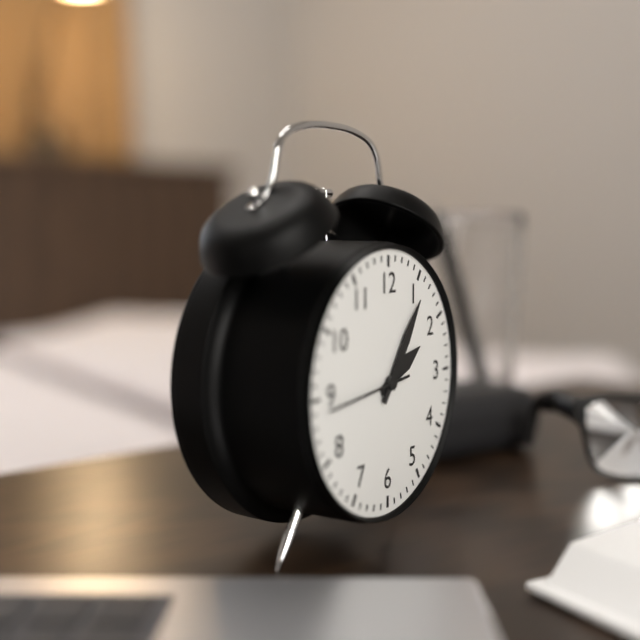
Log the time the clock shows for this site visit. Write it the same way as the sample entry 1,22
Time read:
2,06
